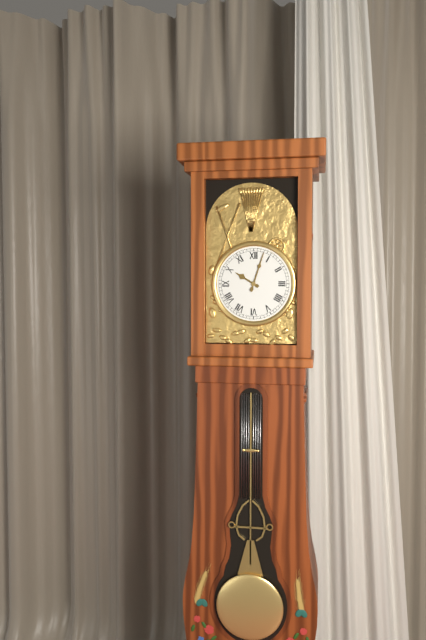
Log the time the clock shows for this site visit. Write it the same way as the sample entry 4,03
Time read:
10,03
